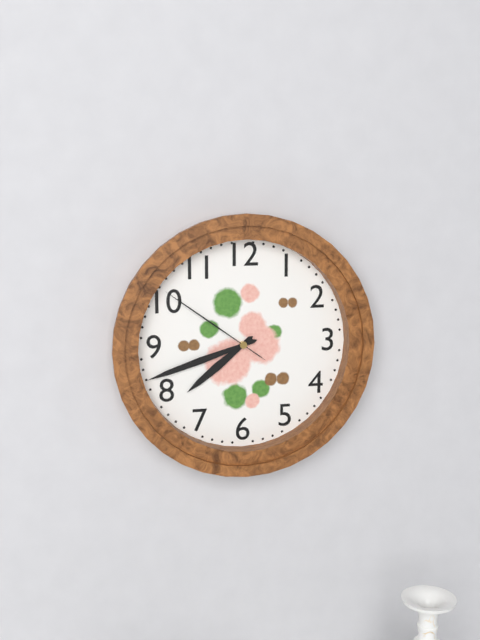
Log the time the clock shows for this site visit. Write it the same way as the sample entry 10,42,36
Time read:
7,42,51
